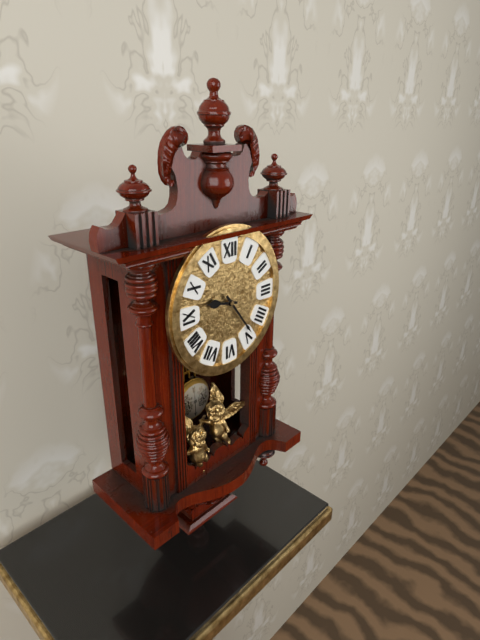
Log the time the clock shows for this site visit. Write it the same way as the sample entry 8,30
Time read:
9,24
